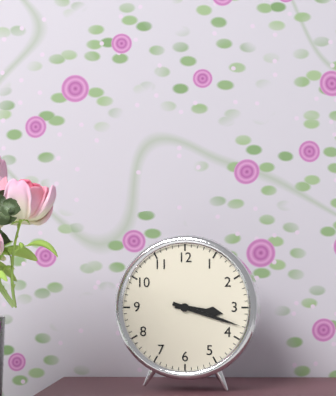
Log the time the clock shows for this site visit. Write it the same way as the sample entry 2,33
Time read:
3,18
